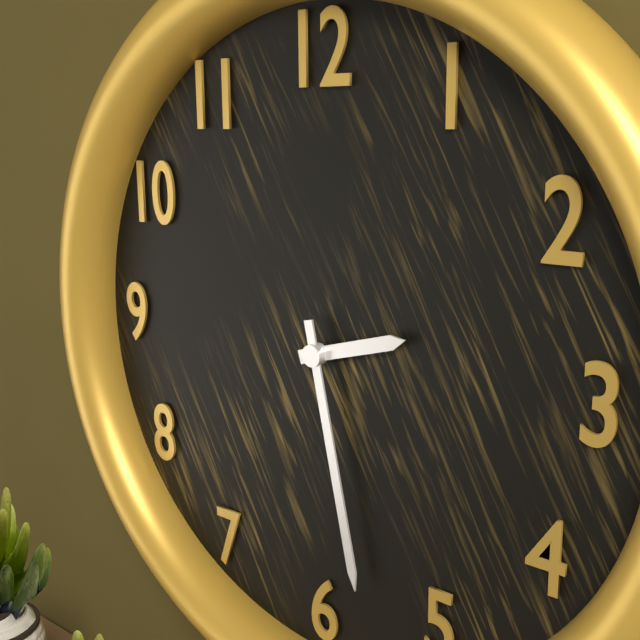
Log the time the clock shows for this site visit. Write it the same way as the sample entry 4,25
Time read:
2,28
